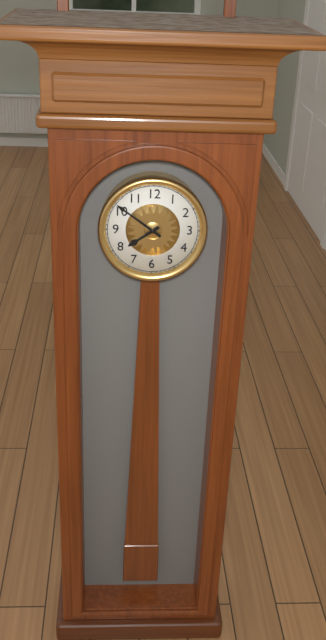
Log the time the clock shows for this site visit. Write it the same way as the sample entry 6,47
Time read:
7,51
